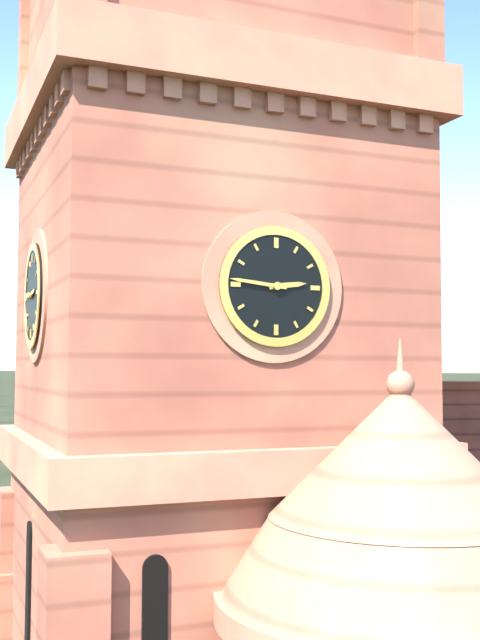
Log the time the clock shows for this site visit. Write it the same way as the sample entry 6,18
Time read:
2,46
